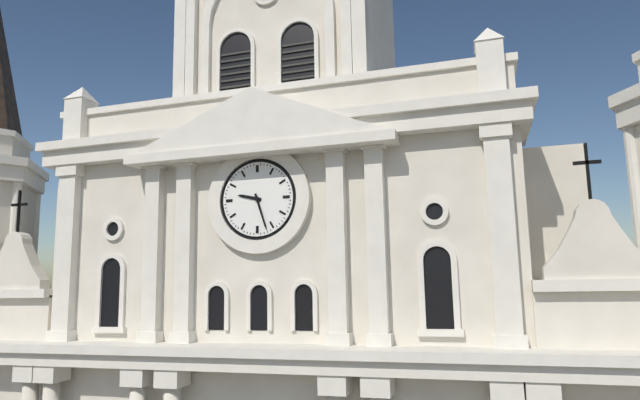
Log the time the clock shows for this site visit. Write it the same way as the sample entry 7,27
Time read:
9,27
